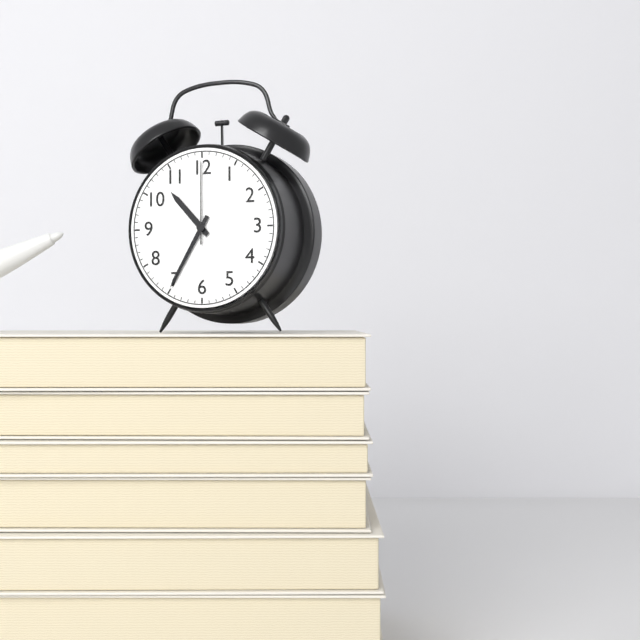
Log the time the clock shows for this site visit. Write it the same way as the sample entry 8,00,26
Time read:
10,35,00
